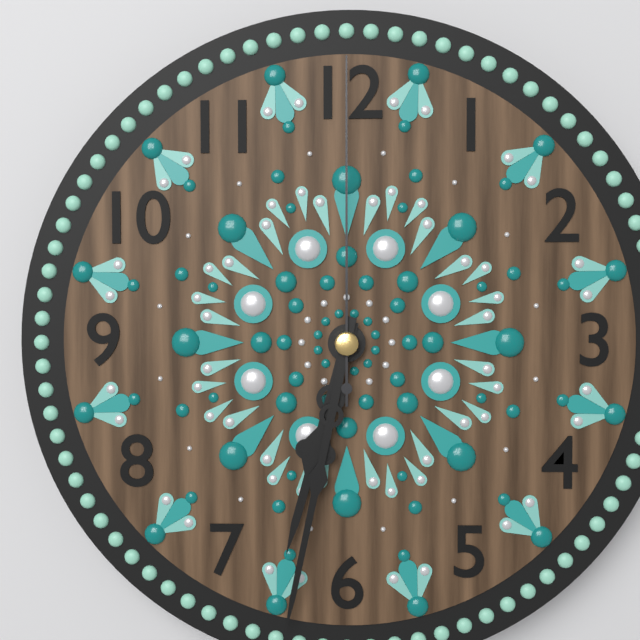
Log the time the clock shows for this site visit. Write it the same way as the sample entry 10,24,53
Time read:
6,32,00
